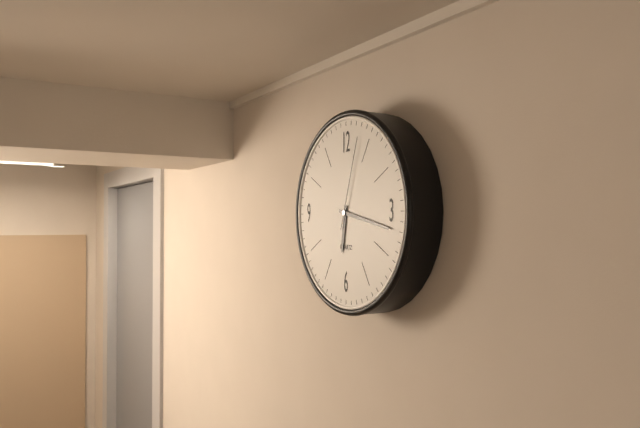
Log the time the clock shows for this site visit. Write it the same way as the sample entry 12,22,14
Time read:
6,17,03
